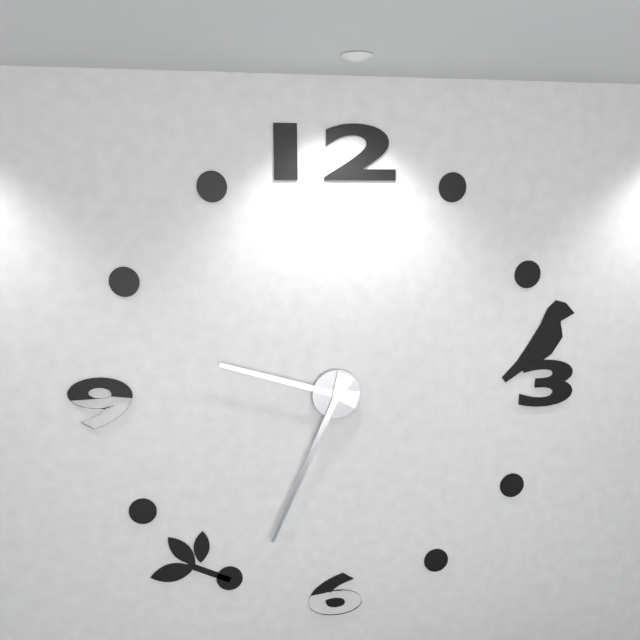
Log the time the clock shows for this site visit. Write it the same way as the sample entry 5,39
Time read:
9,34
